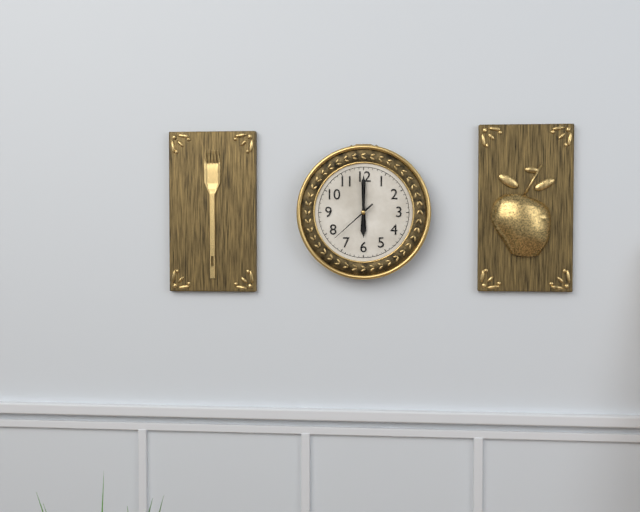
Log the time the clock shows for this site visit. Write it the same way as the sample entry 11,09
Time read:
6,00
